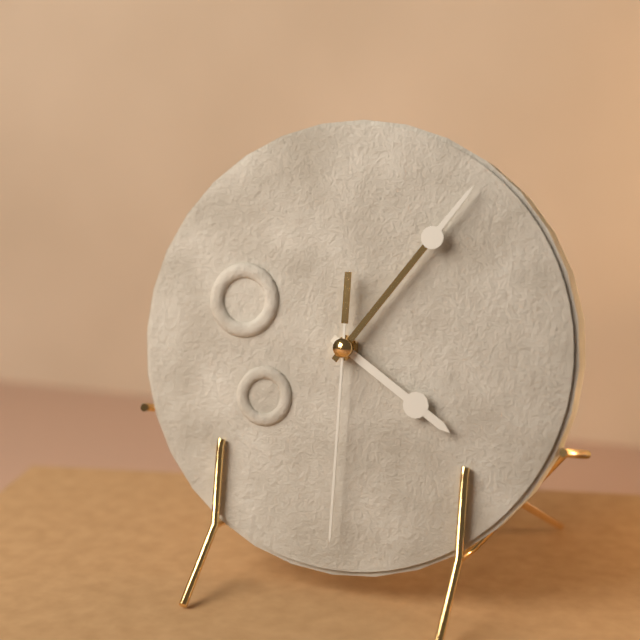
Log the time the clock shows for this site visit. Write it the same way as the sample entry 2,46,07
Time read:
4,06,30
